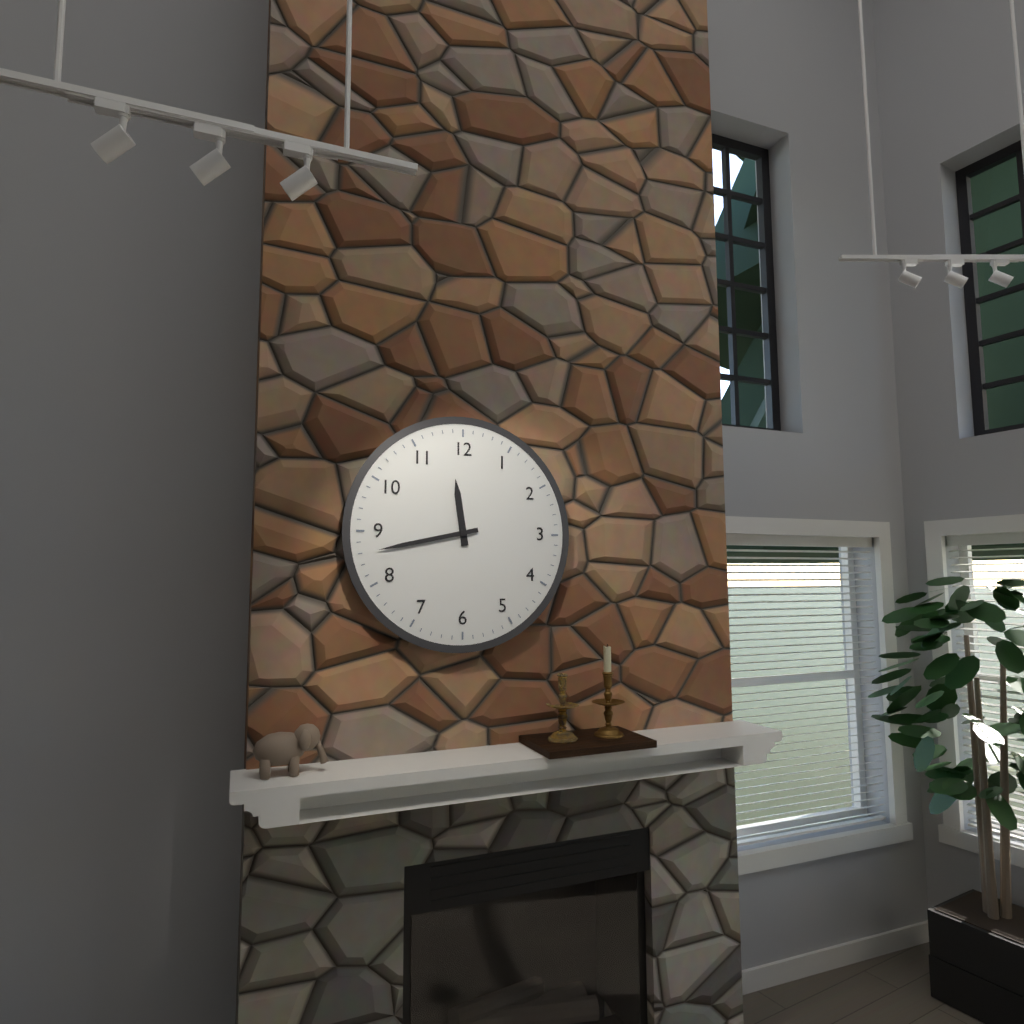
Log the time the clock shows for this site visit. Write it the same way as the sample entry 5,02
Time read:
11,43
